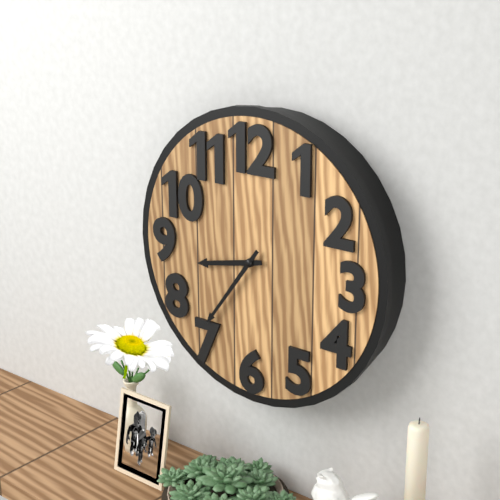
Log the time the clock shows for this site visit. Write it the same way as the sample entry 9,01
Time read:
8,36
